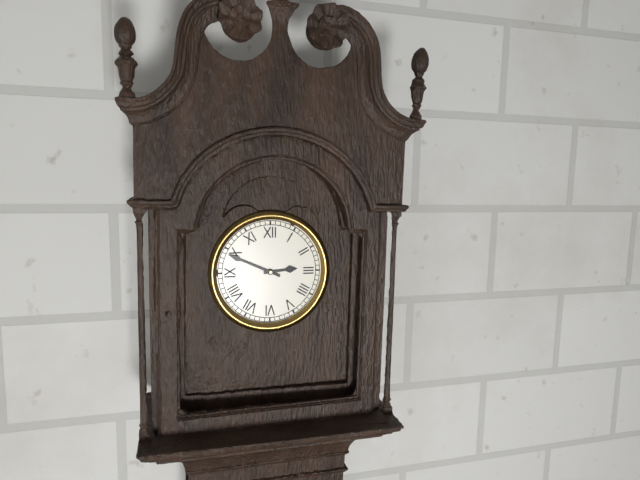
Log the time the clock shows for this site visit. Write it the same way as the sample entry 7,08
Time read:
2,49
